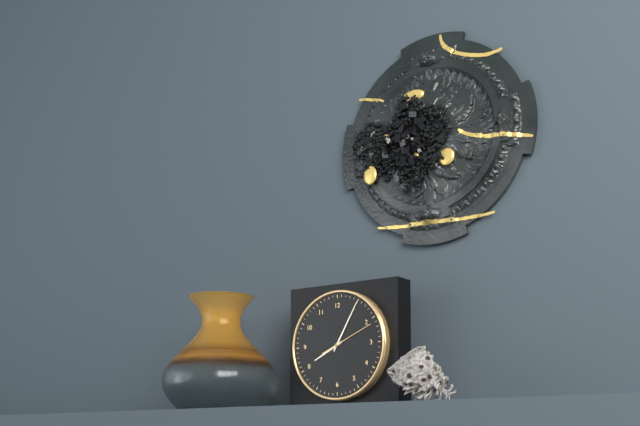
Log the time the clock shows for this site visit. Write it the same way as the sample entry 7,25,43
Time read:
8,05,11
